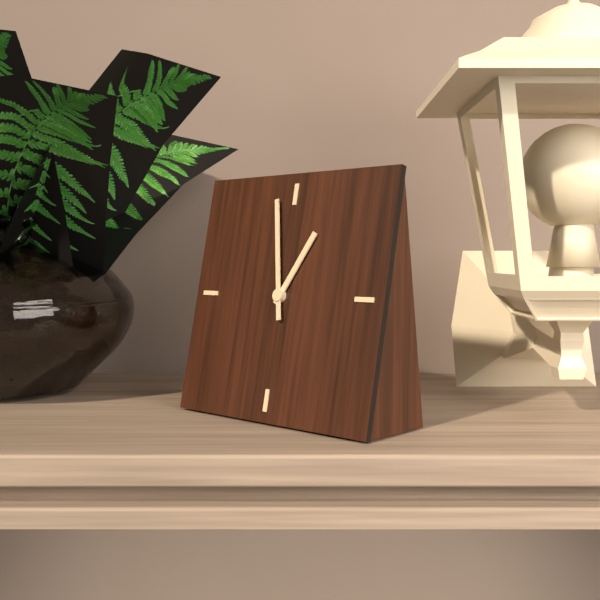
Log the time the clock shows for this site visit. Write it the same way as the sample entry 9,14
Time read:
12,58
